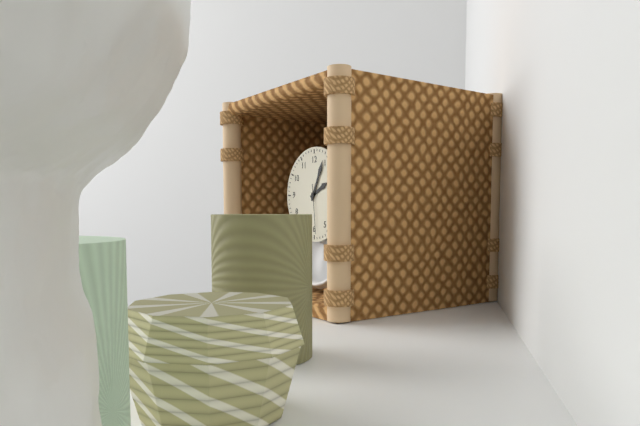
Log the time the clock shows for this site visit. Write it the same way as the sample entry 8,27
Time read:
2,04
